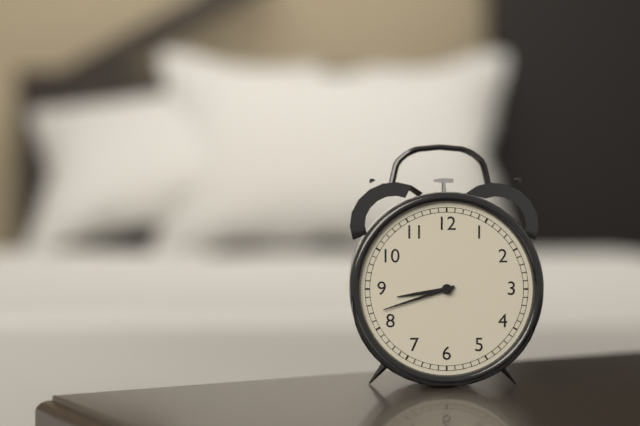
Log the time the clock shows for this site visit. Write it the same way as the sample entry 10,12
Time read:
8,42
